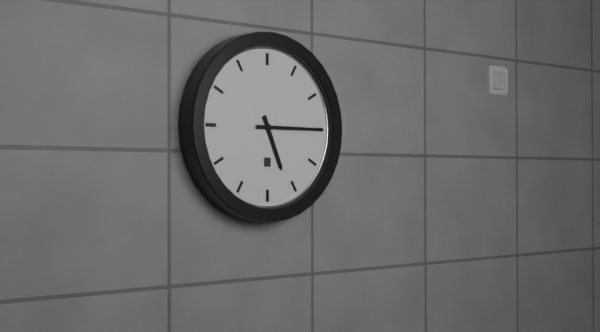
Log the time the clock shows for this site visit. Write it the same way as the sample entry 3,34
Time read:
5,15
